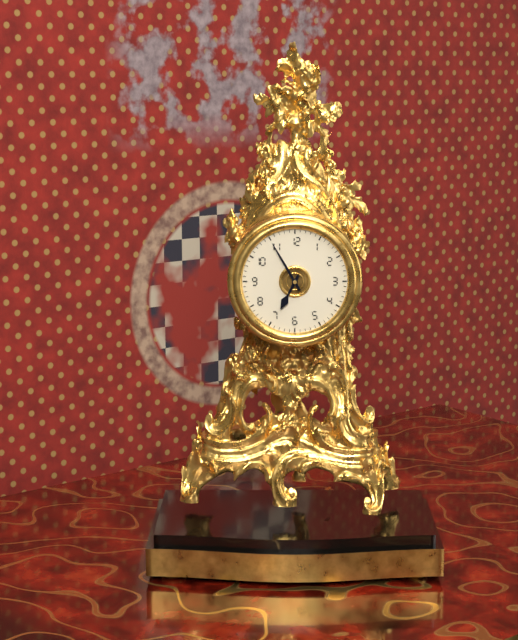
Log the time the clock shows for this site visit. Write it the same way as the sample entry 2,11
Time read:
6,55
